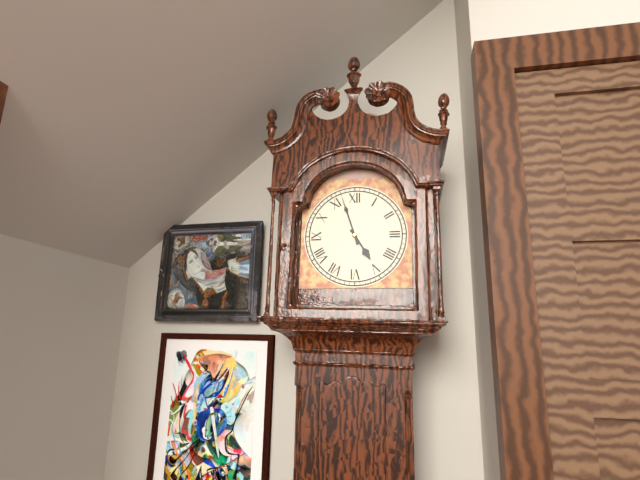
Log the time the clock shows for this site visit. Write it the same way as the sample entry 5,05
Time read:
4,57
